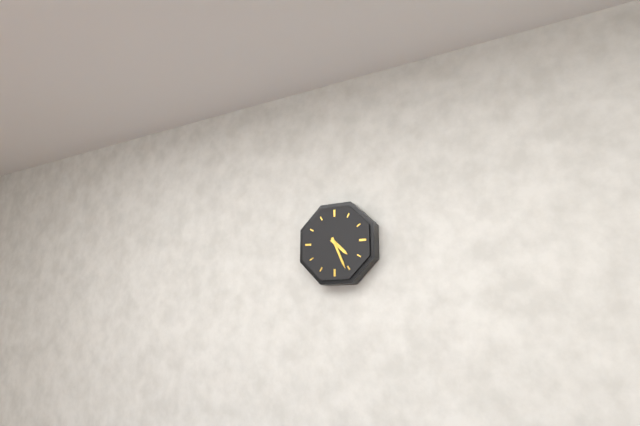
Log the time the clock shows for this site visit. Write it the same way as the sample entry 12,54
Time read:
4,26
